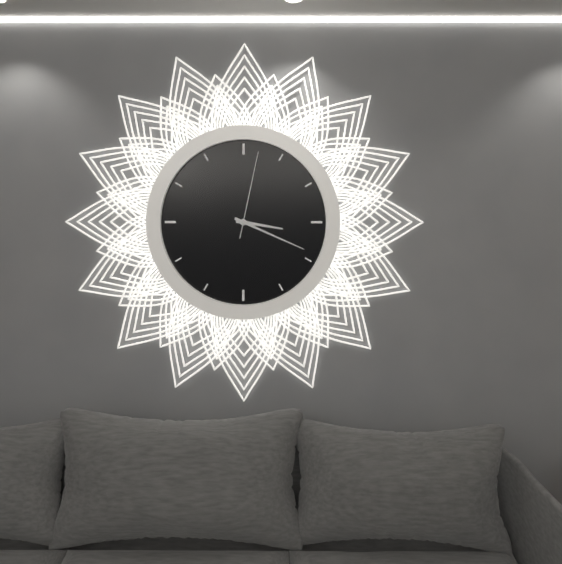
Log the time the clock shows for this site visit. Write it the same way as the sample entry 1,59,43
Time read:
3,19,02
